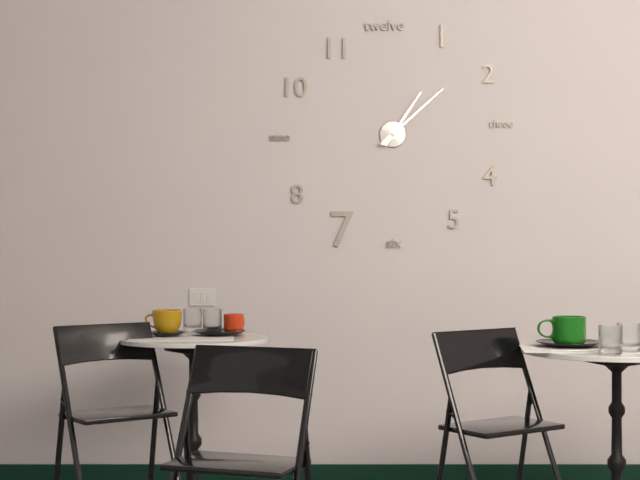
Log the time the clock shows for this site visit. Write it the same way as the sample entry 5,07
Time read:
1,08
